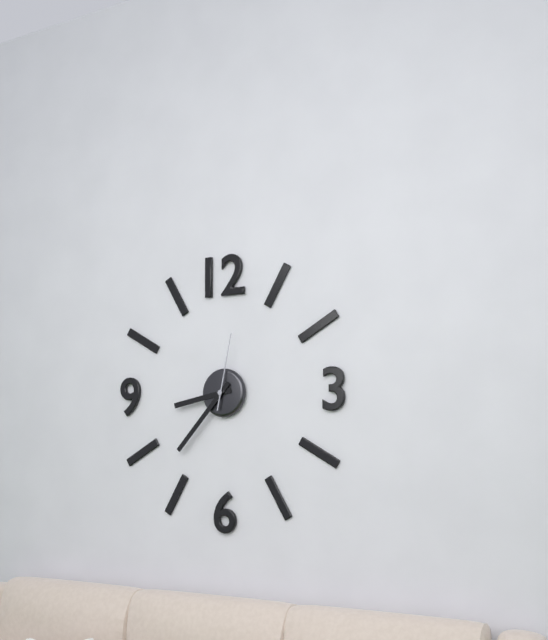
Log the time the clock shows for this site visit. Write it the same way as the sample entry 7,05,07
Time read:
8,37,02
